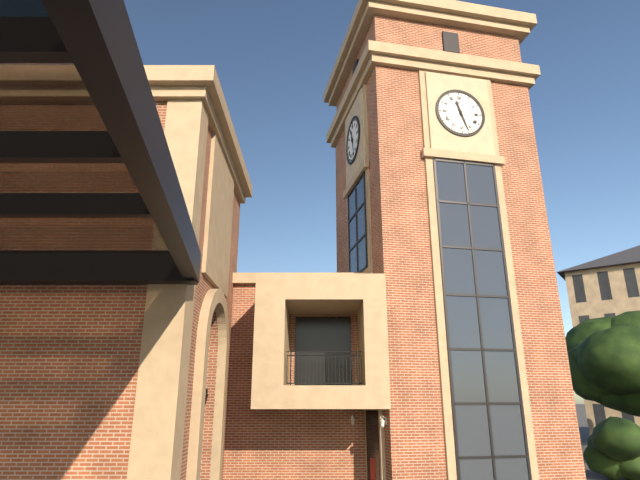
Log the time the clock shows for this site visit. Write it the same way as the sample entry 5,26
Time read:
11,27
